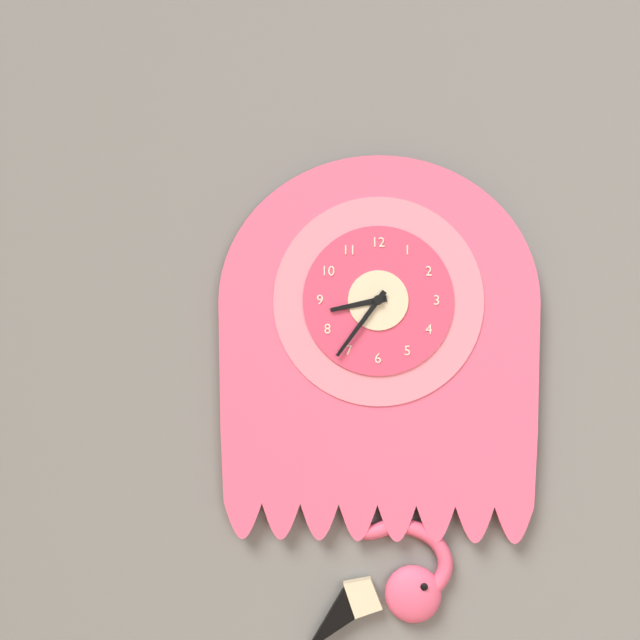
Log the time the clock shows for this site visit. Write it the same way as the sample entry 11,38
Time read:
8,36
